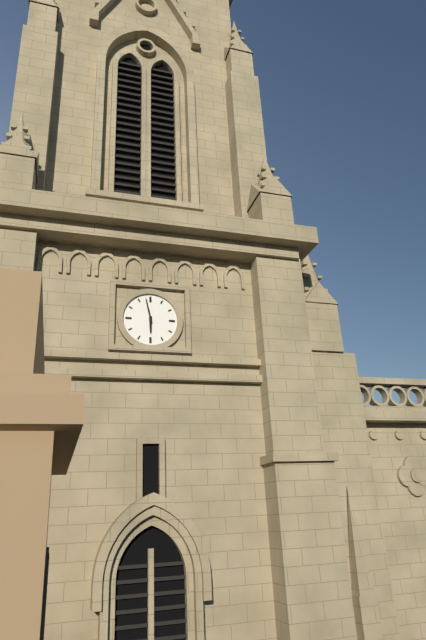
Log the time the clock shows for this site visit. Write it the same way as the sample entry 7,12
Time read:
5,58
